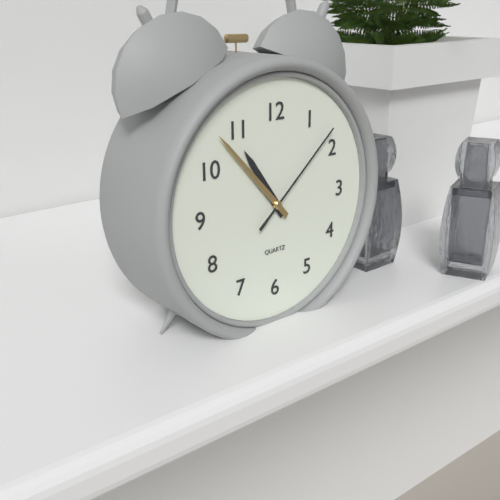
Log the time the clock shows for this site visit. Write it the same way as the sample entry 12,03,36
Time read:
10,53,08
